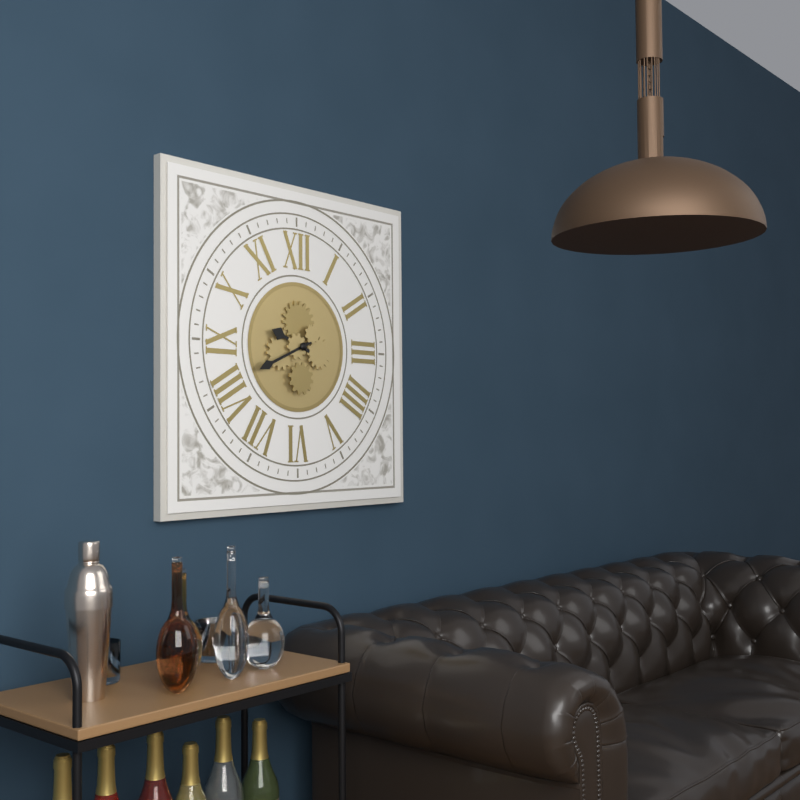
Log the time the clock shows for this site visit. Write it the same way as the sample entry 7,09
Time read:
9,41
